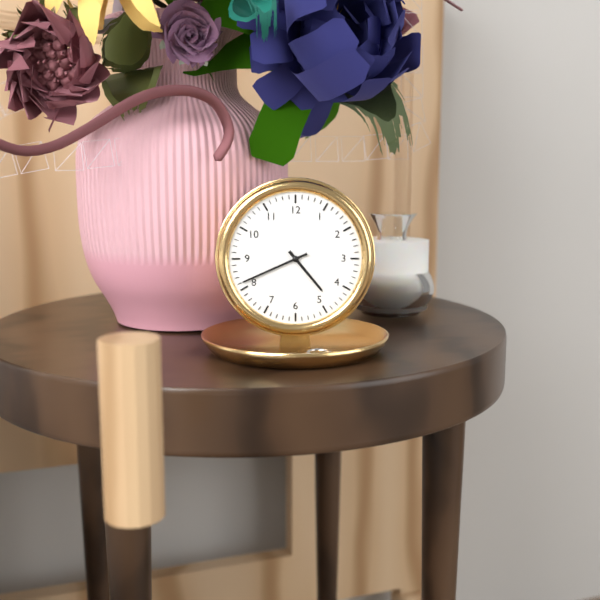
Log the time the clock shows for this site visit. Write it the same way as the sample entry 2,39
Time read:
4,41
